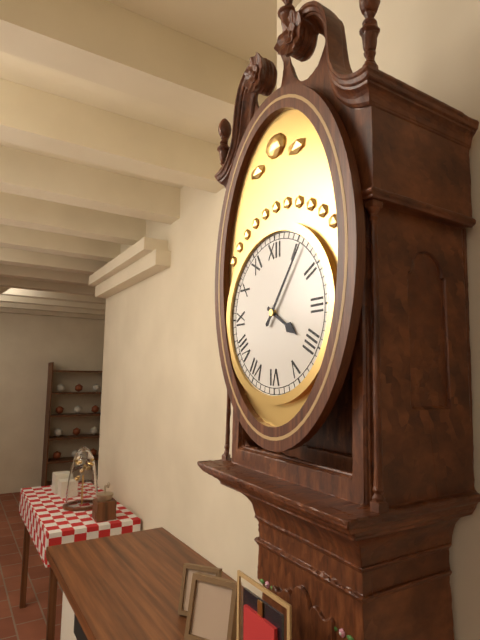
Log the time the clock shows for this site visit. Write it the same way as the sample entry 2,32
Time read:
4,06
